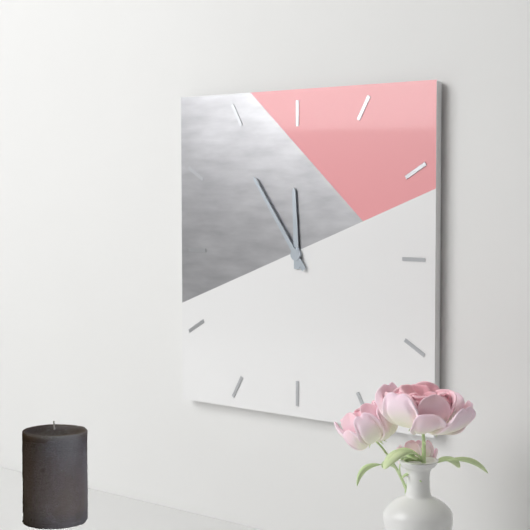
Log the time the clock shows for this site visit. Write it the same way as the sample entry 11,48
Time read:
11,54
